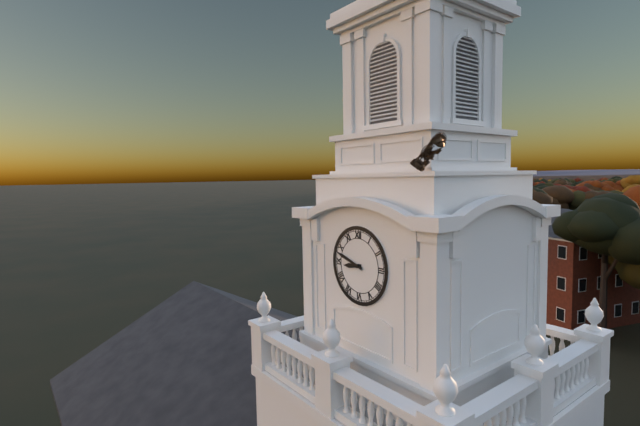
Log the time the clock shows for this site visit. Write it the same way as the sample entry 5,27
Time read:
8,48
